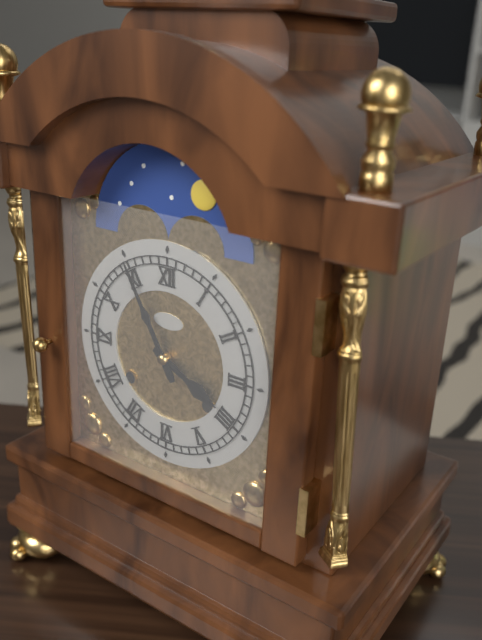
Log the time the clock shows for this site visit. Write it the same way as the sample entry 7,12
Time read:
3,55
